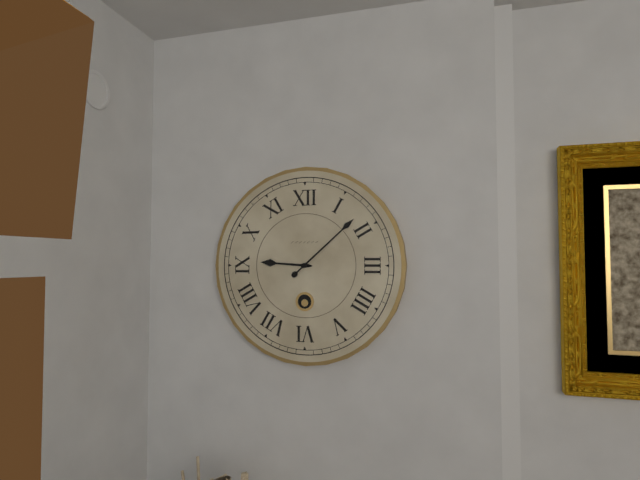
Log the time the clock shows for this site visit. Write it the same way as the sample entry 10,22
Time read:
9,08
